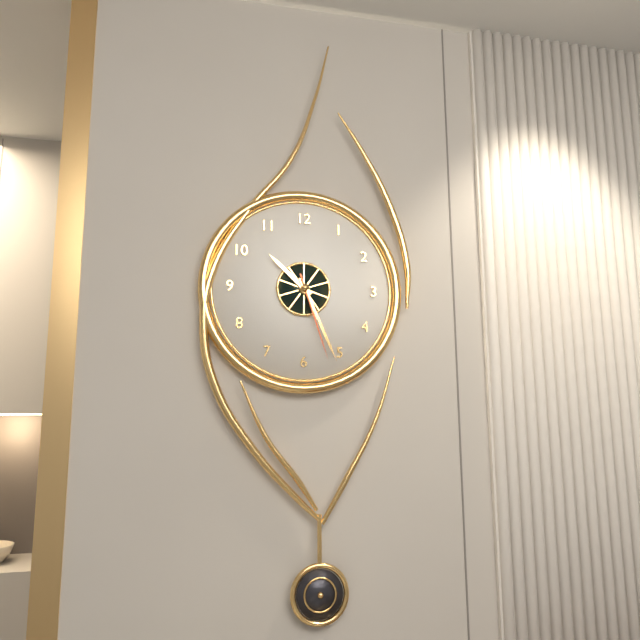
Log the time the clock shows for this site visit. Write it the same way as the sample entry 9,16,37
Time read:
10,26,27
